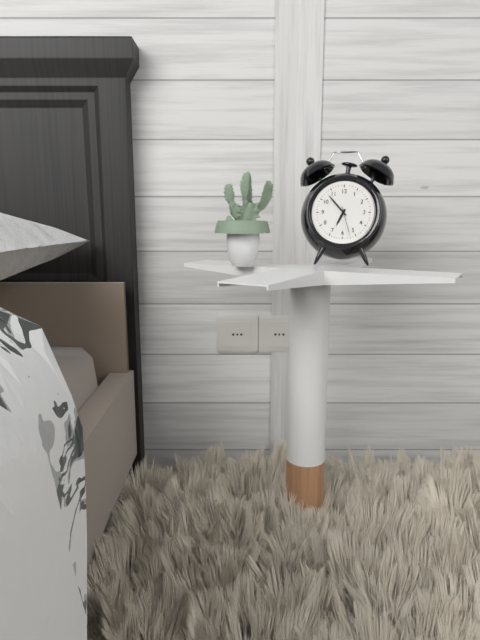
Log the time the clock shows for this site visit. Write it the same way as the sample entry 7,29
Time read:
6,53
